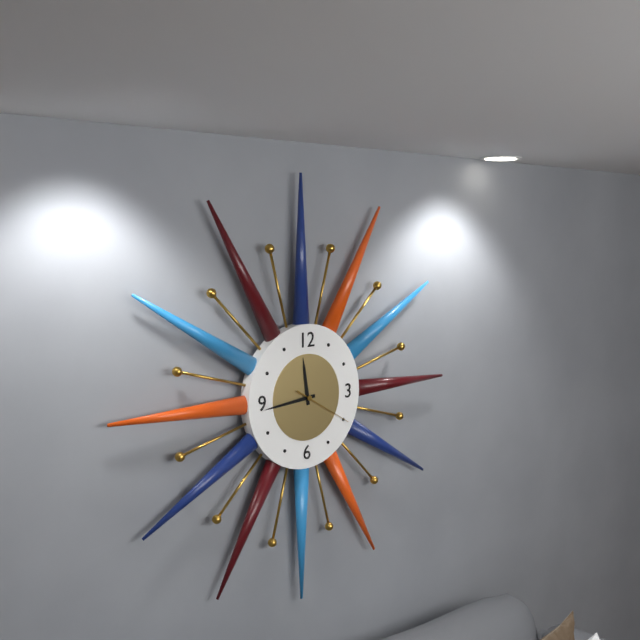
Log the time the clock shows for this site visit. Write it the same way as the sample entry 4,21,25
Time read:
11,44,20
